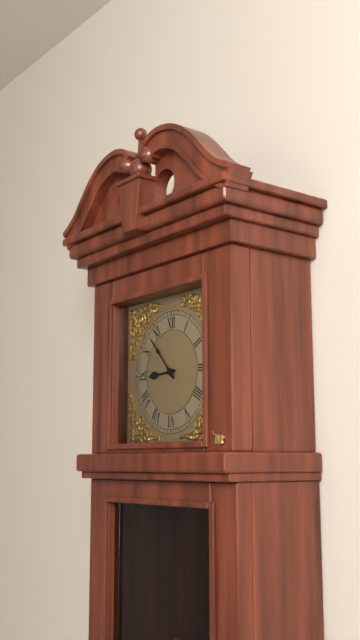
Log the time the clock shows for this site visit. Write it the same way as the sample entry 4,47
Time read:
8,53
